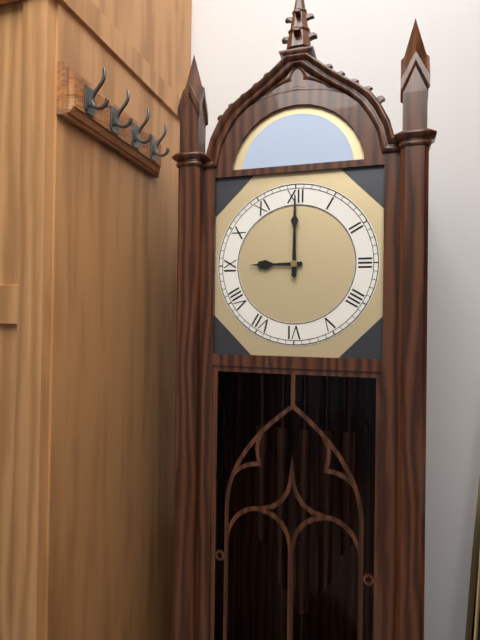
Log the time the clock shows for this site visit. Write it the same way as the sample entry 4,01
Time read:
9,00
